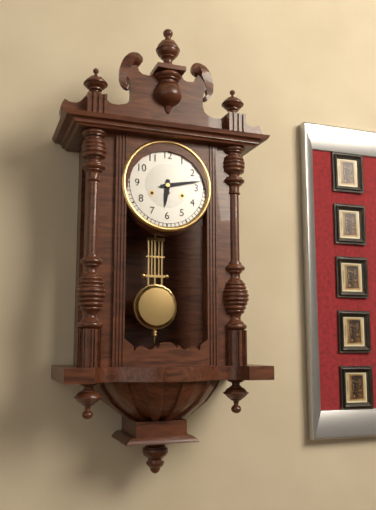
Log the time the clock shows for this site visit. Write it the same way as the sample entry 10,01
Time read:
6,13
